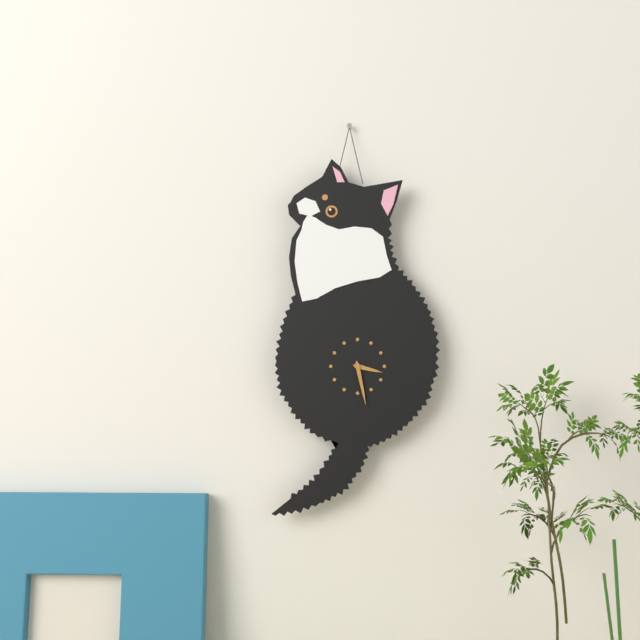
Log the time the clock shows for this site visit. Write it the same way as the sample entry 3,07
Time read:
3,28
